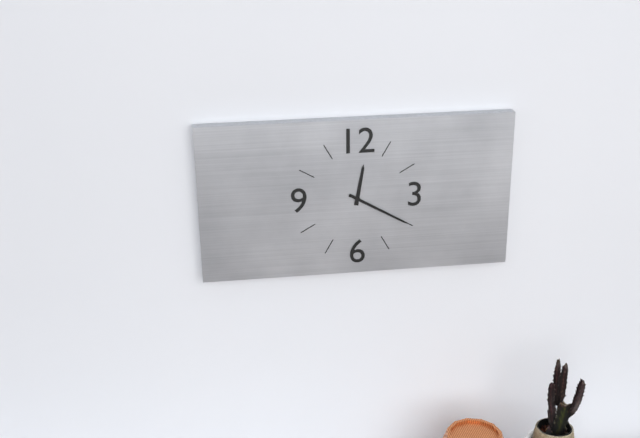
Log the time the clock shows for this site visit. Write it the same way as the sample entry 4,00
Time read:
12,20
